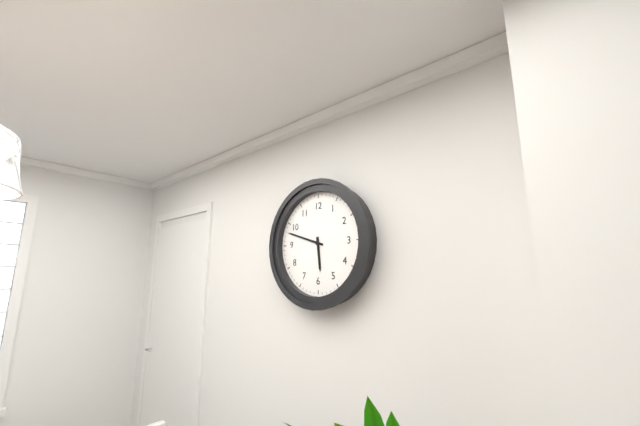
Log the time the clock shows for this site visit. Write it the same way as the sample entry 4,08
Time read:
5,48
